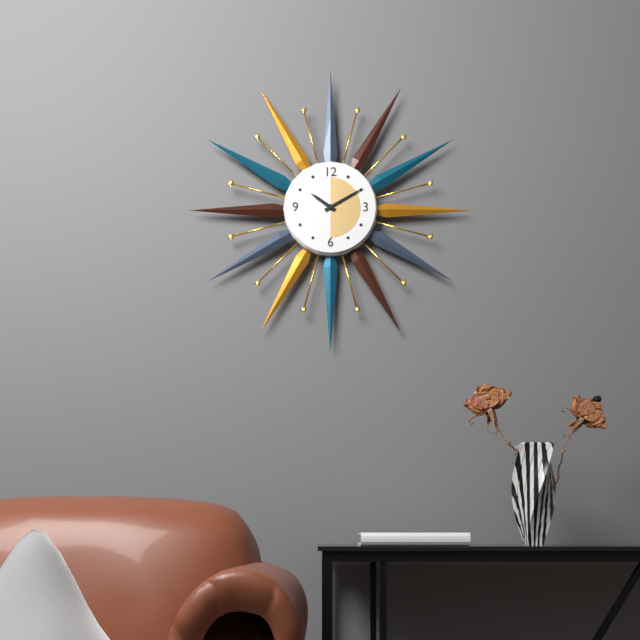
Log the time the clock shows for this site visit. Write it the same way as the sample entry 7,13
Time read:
10,10
